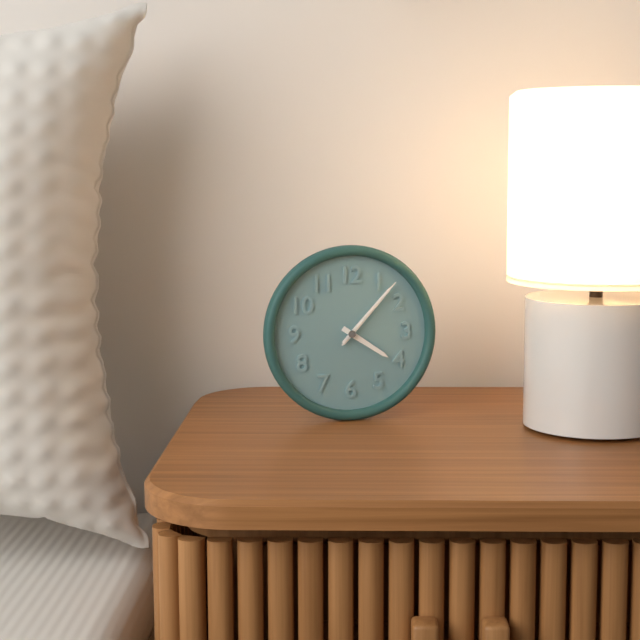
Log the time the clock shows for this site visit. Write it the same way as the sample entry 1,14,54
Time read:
4,07,07
